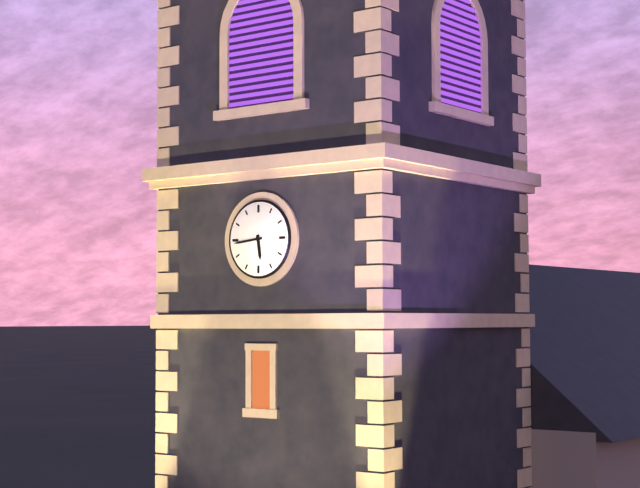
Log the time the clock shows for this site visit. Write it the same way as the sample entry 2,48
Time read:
5,44
